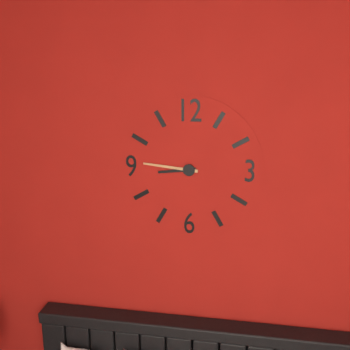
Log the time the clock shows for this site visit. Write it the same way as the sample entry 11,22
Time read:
8,46
